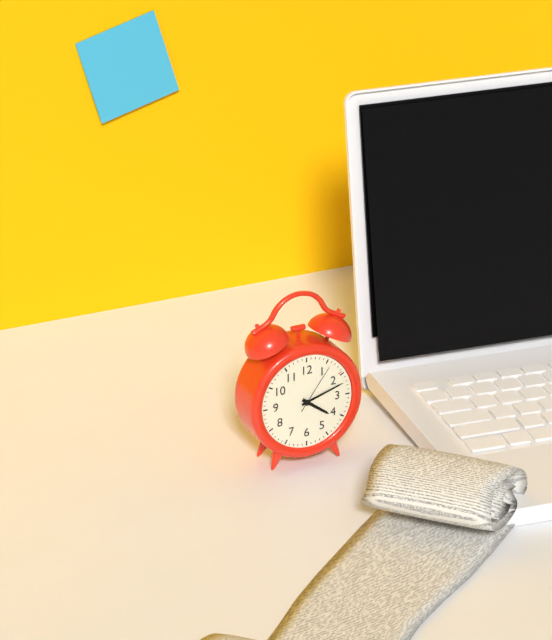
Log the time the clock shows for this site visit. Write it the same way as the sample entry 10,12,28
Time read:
4,12,06
